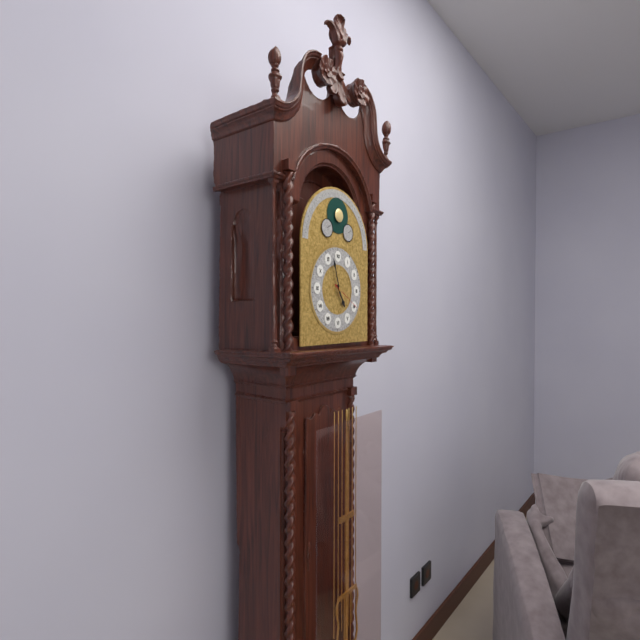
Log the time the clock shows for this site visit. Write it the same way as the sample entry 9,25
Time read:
4,57
